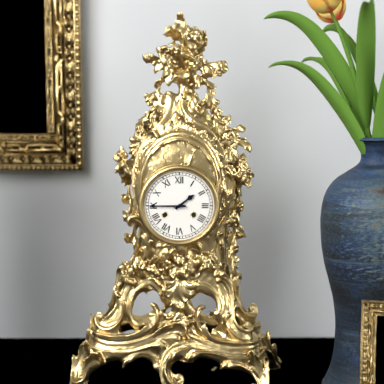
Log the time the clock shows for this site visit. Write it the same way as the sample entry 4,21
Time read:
1,45
